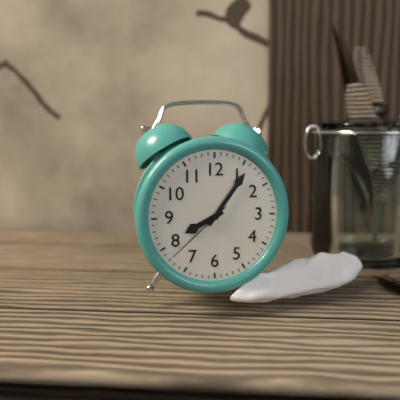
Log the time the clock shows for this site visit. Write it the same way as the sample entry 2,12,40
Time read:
8,06,38
